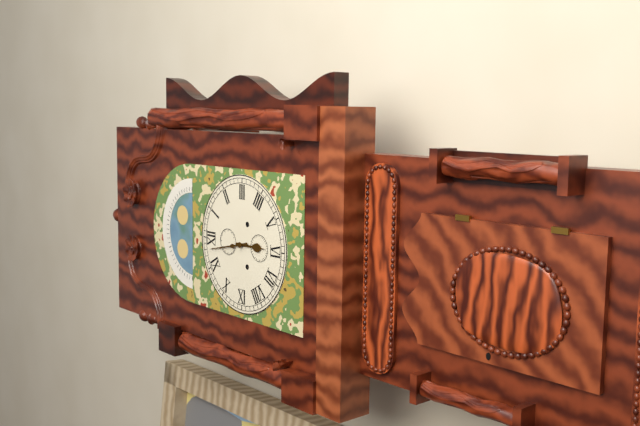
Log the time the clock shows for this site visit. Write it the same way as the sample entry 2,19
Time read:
5,58
